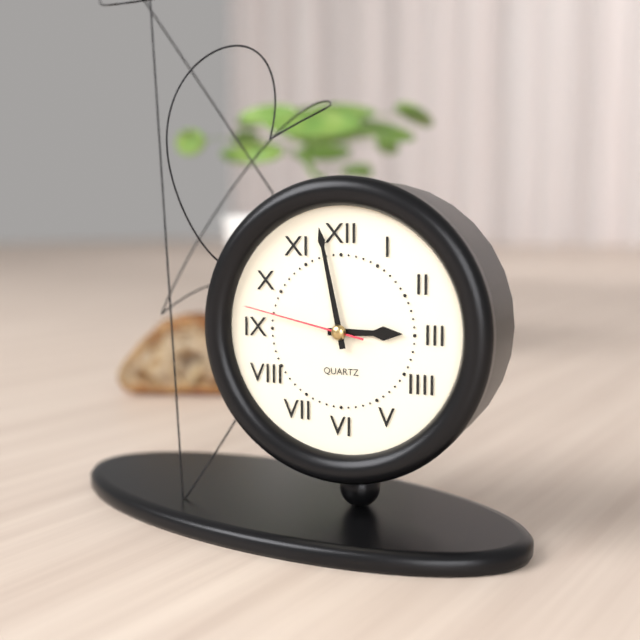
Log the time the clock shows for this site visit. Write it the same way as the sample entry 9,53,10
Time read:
2,58,47
